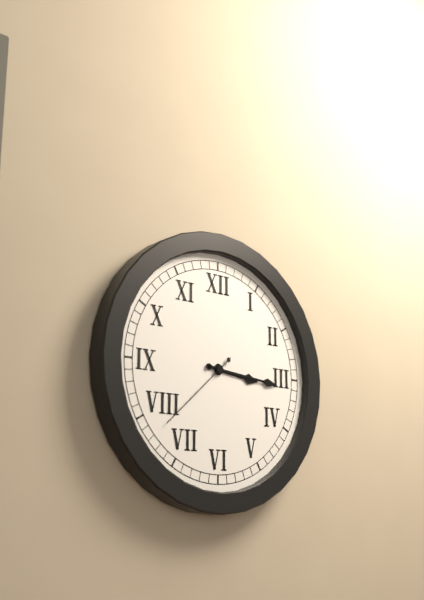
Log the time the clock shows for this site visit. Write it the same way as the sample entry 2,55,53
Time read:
3,16,38
